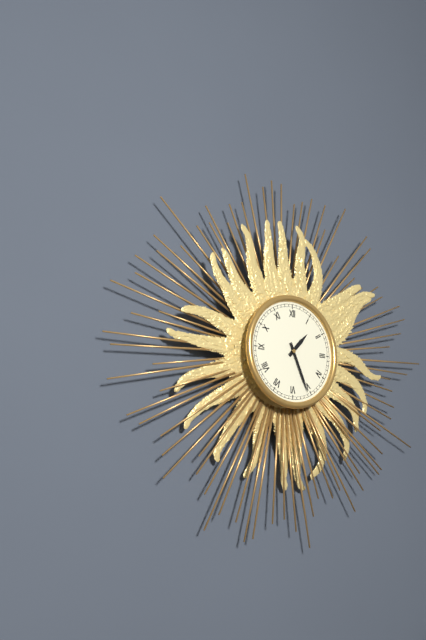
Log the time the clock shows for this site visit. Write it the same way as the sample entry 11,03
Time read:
1,26
